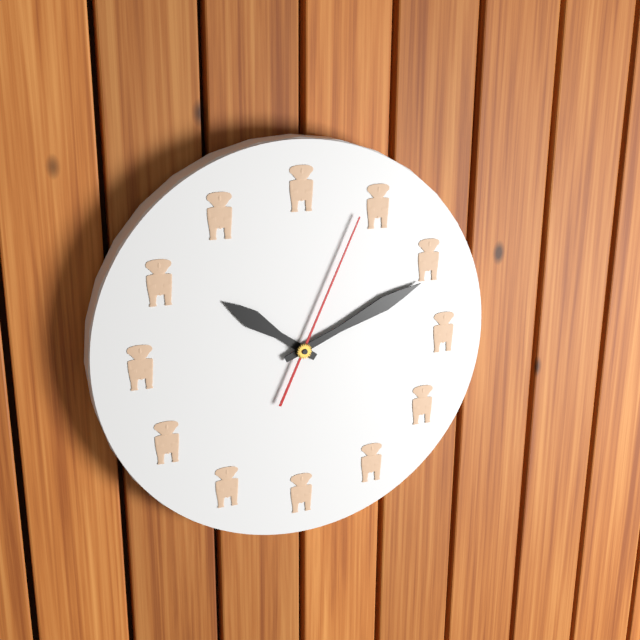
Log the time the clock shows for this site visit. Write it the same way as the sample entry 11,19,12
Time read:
10,11,04
